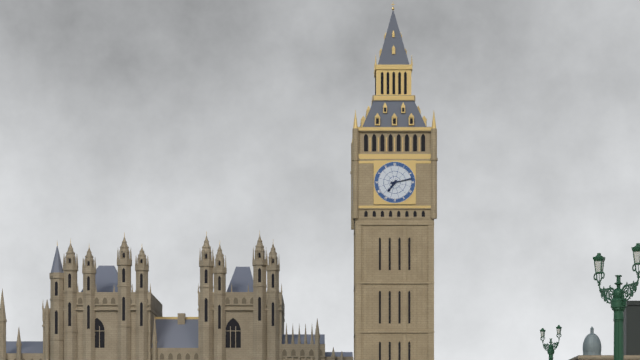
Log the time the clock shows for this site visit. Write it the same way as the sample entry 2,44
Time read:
7,13
